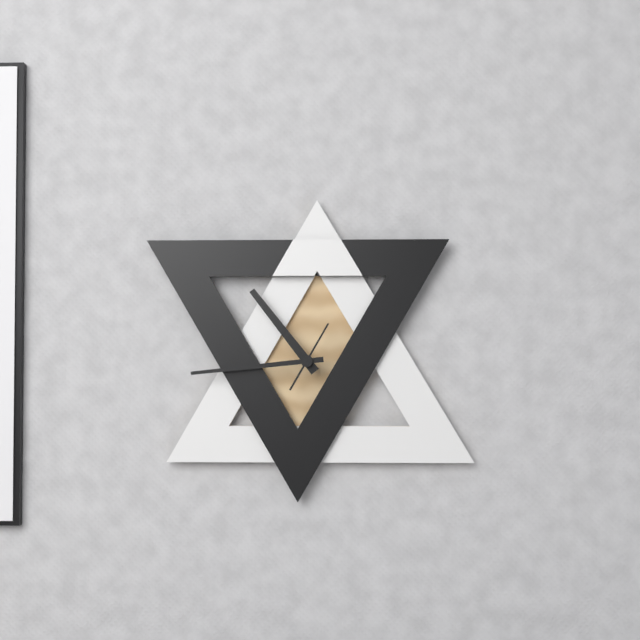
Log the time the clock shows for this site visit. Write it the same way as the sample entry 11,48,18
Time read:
10,44,05
